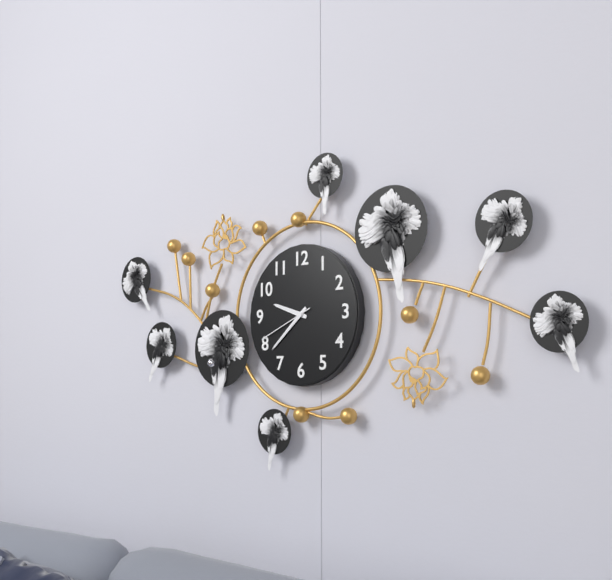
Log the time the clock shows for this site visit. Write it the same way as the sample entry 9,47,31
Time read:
9,38,41
